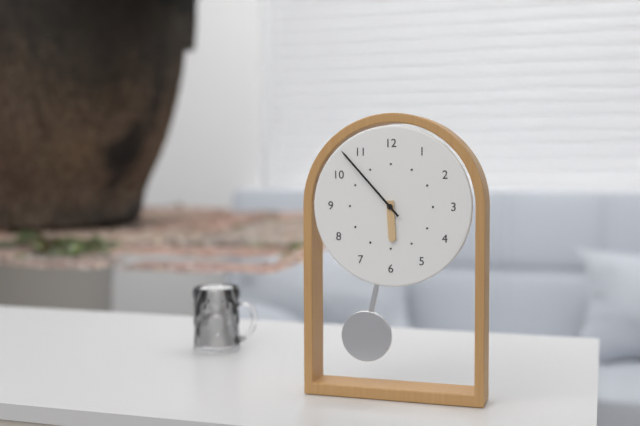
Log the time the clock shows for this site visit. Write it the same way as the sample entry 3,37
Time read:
5,53
